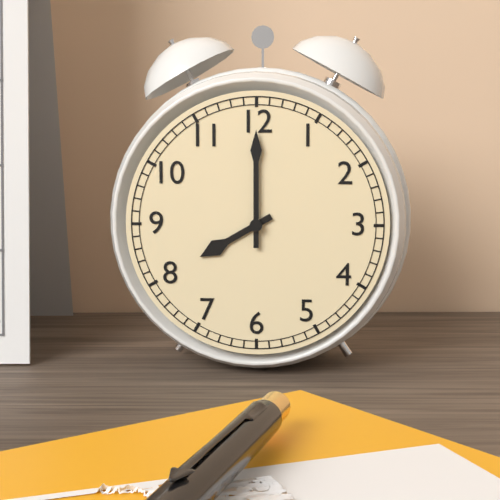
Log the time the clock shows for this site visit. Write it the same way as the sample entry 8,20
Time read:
8,00
